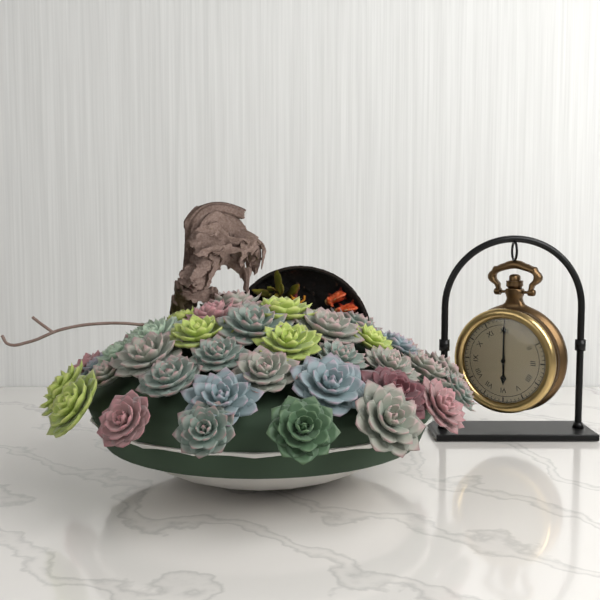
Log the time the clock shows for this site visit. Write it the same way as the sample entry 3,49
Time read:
6,00
